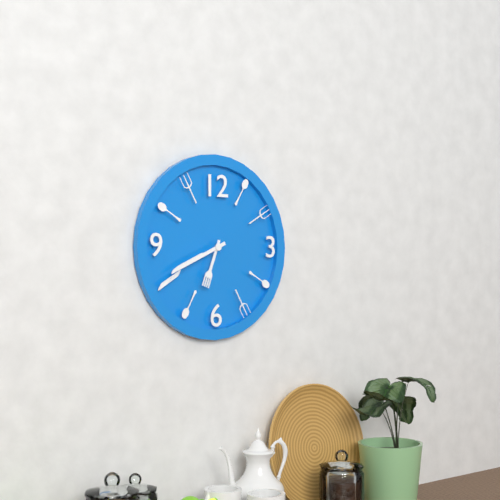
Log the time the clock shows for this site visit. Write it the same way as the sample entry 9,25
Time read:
6,41
